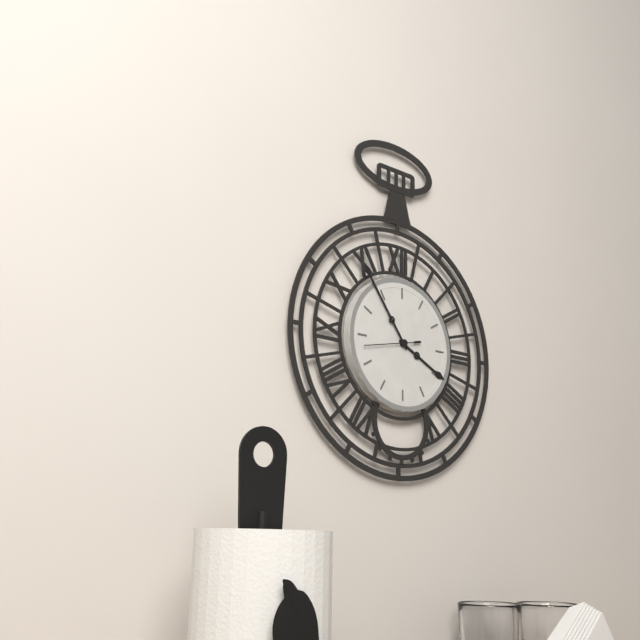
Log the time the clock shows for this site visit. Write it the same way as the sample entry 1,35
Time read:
3,54
